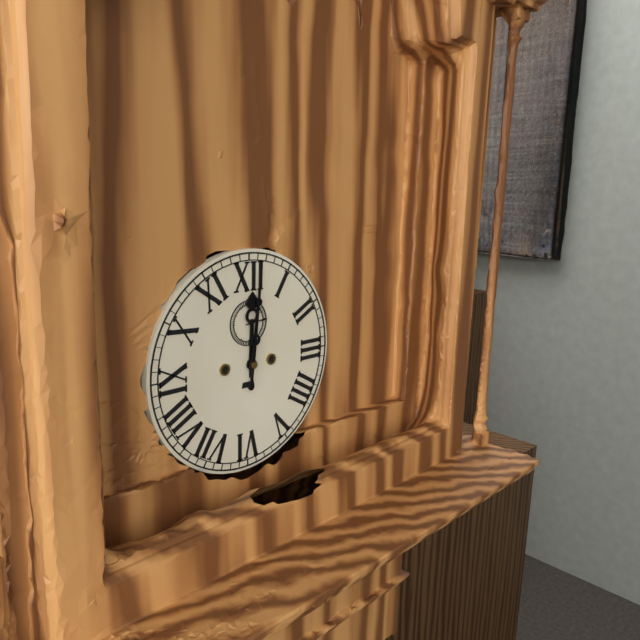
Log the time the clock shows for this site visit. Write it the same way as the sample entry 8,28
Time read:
12,01
